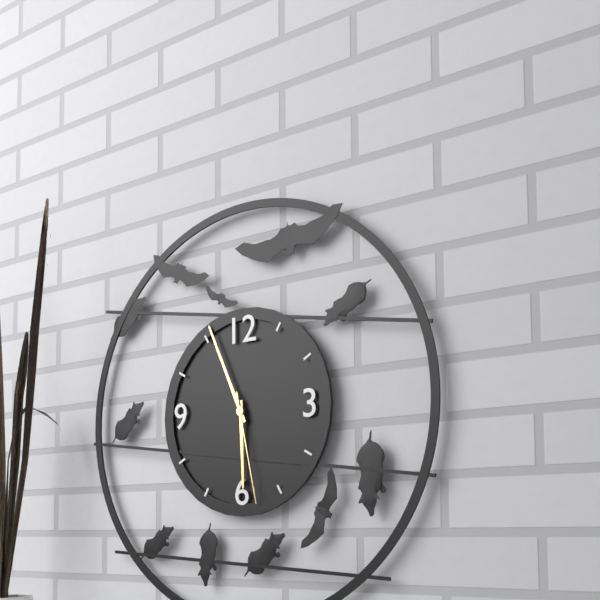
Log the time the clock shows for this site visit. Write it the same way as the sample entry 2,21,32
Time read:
5,56,28
